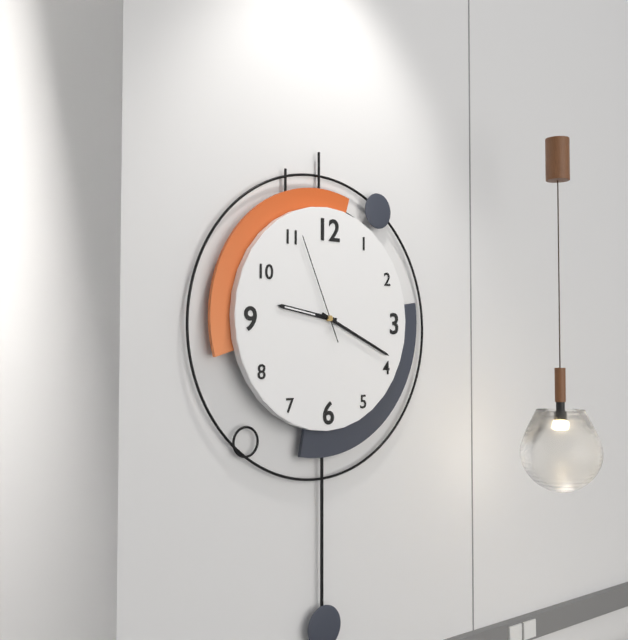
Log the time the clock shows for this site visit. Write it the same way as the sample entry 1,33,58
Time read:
9,19,56
